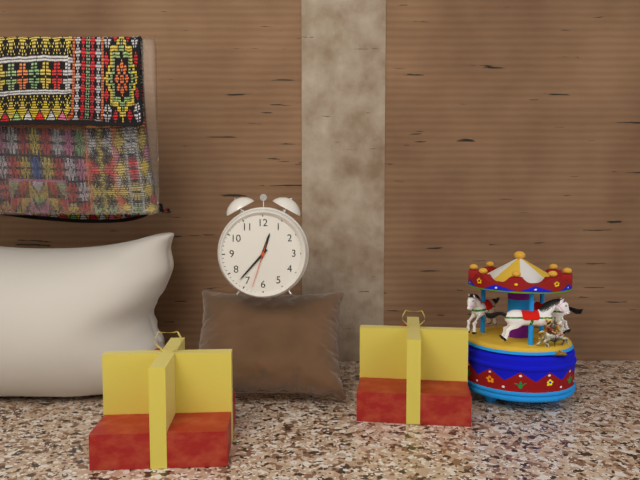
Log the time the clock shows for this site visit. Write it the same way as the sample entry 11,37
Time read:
12,37
